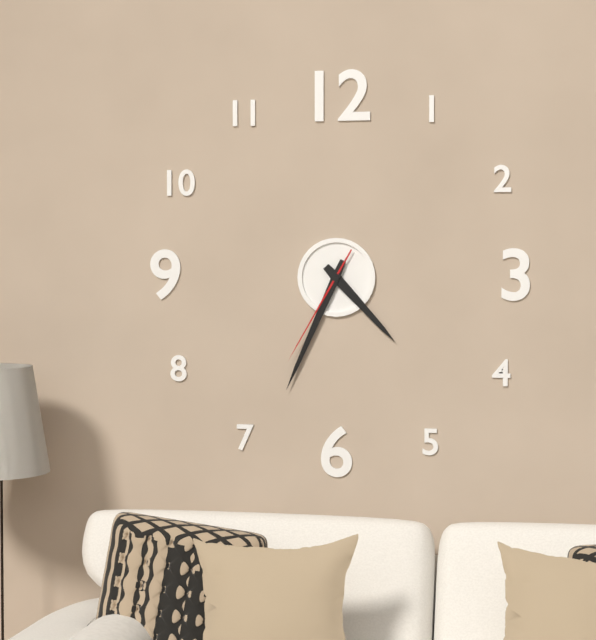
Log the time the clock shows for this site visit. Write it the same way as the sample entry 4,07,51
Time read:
4,34,35
